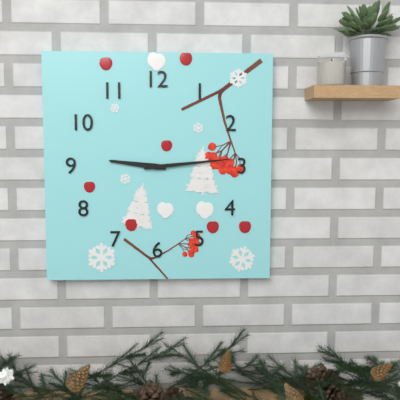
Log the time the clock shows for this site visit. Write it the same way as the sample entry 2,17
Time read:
9,14
